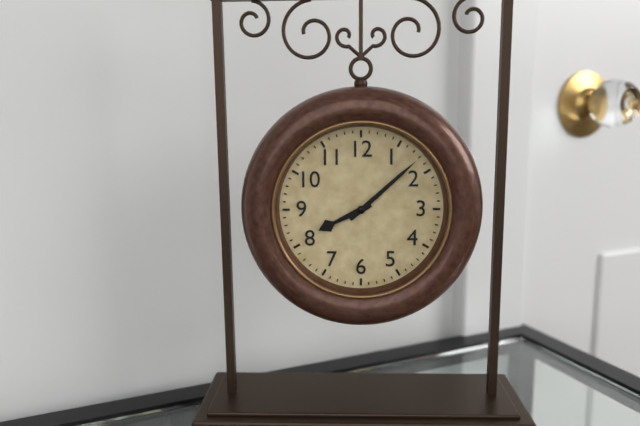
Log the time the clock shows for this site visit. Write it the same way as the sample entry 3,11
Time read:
8,08
